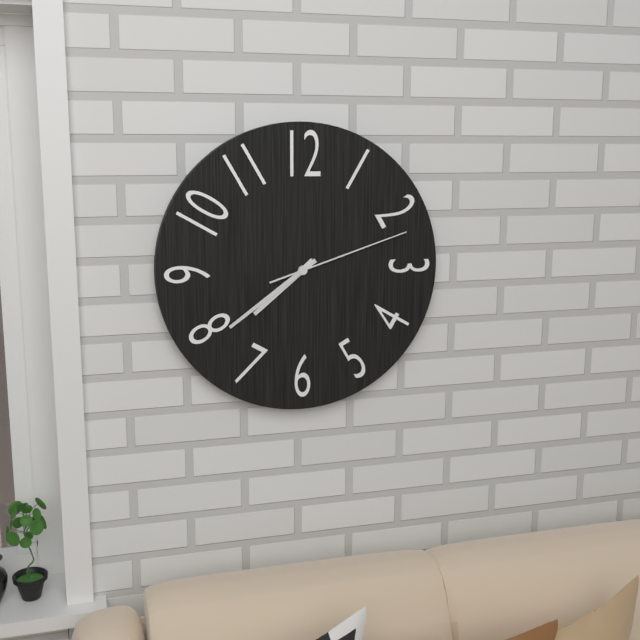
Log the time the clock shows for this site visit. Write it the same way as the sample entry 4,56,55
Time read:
7,39,12
